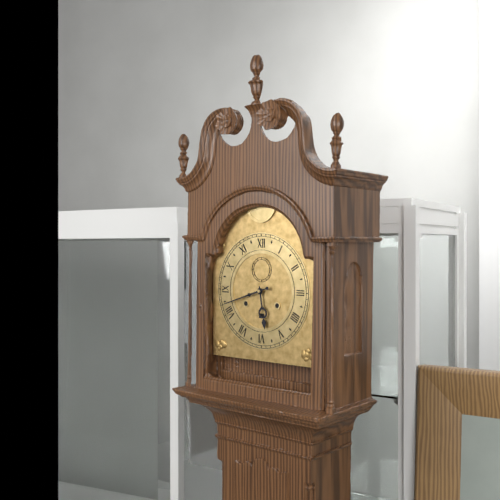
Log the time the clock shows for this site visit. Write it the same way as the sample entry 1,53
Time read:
5,42
